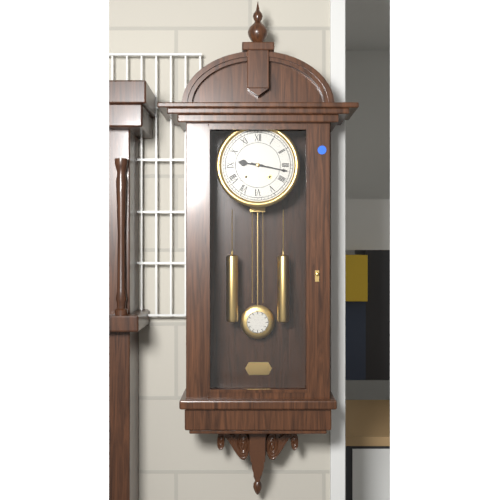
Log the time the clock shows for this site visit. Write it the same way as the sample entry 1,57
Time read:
9,17
